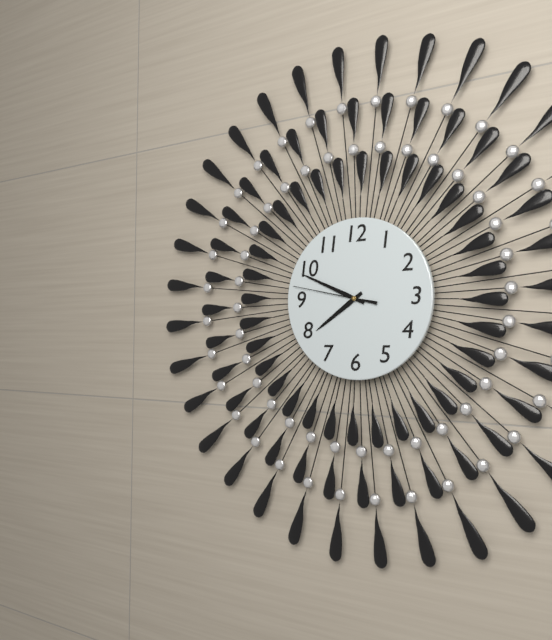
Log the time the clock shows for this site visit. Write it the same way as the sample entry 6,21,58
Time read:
7,49,47
